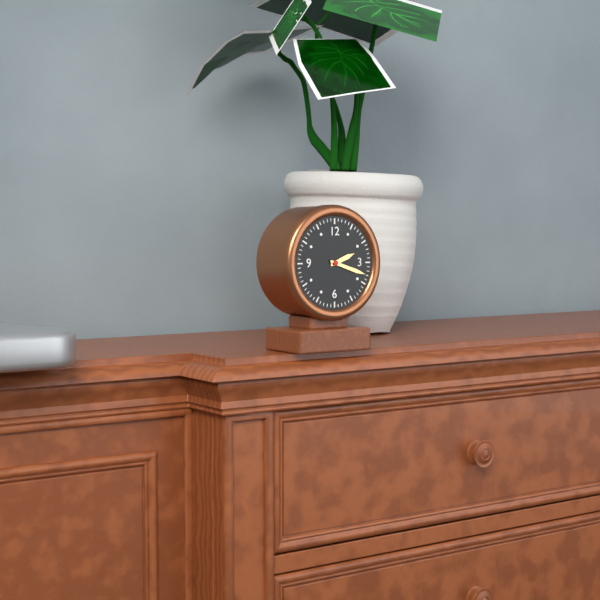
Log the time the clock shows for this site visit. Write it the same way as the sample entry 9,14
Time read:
2,18
